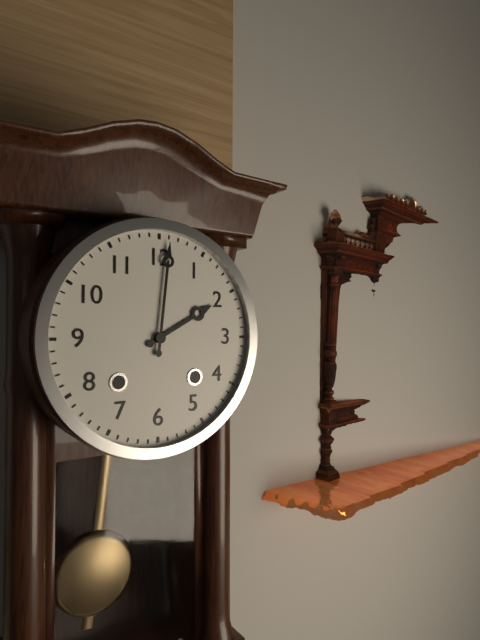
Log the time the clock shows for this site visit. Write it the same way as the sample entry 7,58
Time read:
2,01
